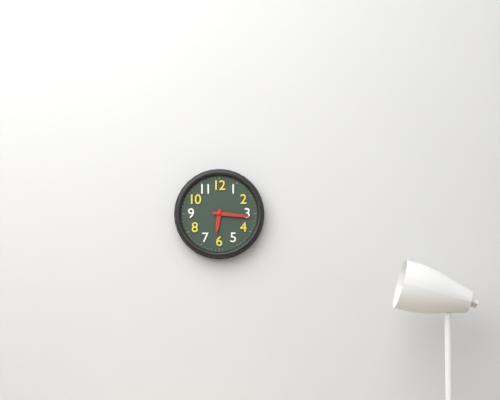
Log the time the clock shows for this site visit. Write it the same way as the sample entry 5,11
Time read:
6,16
